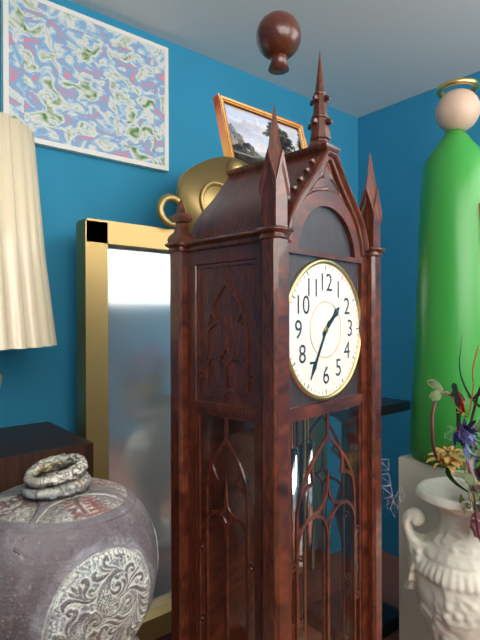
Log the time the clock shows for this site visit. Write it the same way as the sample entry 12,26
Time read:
1,35
